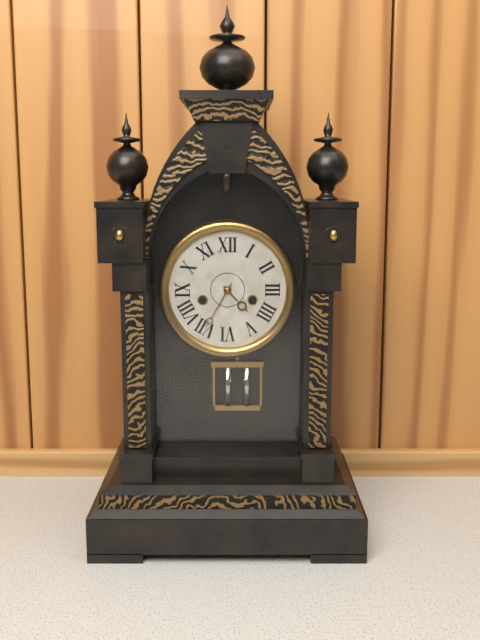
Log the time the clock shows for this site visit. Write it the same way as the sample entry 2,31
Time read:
4,35
